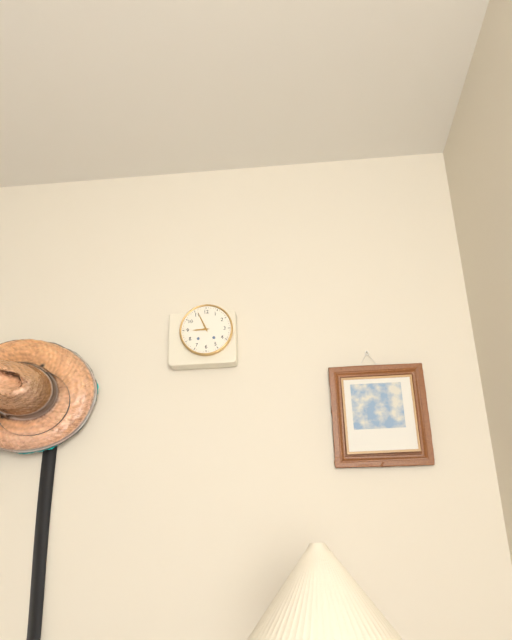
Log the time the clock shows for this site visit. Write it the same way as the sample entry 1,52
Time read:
8,56
